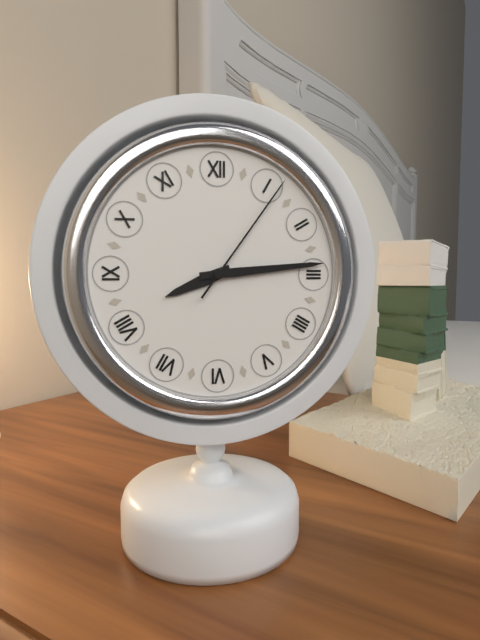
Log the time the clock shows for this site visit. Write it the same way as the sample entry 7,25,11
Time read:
8,14,06
